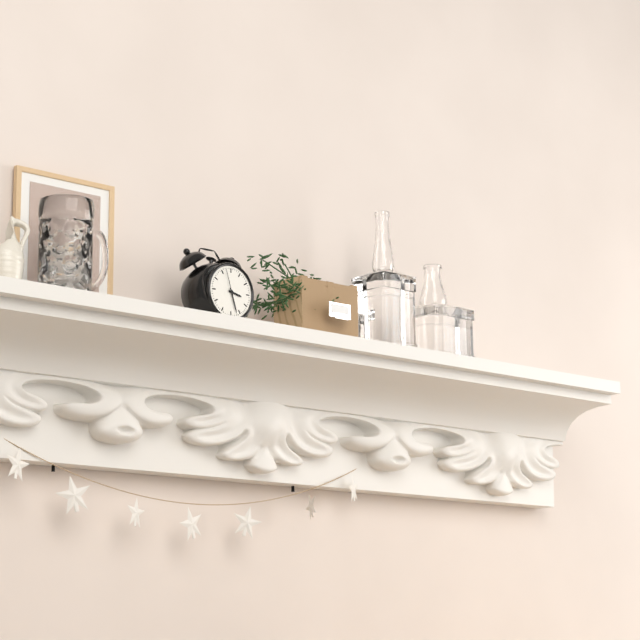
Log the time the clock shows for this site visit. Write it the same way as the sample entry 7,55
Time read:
3,27
